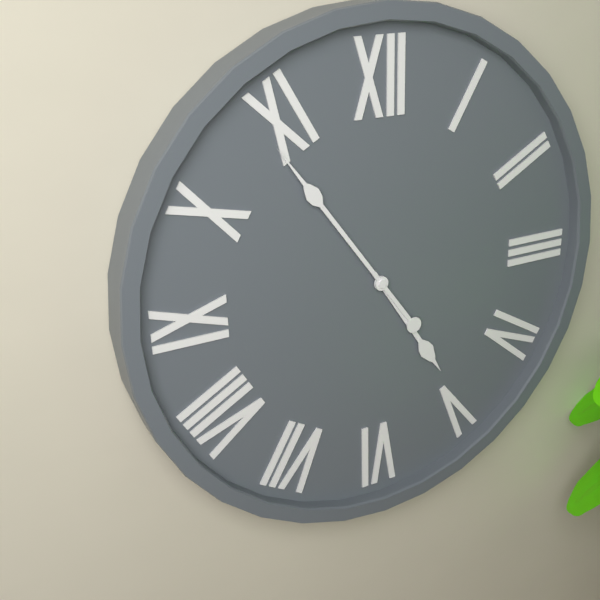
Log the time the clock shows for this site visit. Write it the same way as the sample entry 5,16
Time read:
4,54
